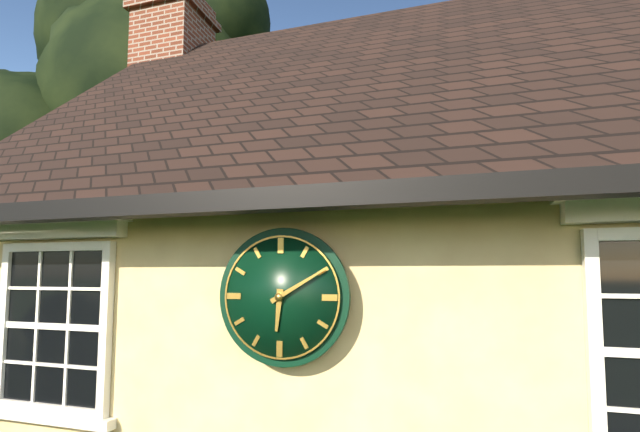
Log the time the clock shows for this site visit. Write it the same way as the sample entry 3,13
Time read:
6,10
